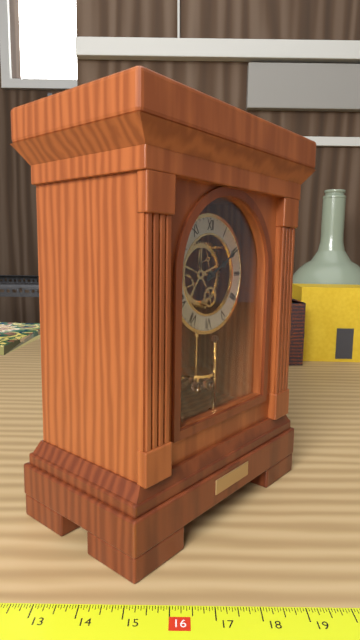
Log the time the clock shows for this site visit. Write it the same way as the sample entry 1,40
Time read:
2,10
